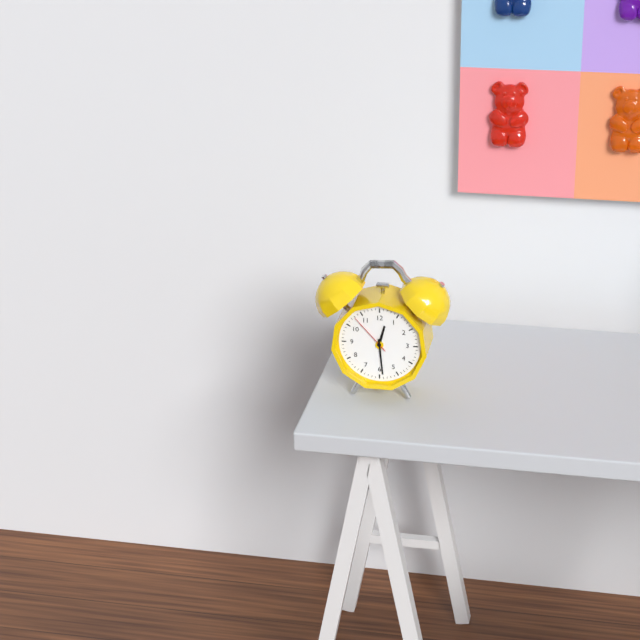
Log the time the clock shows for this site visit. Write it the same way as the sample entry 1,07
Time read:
12,29
